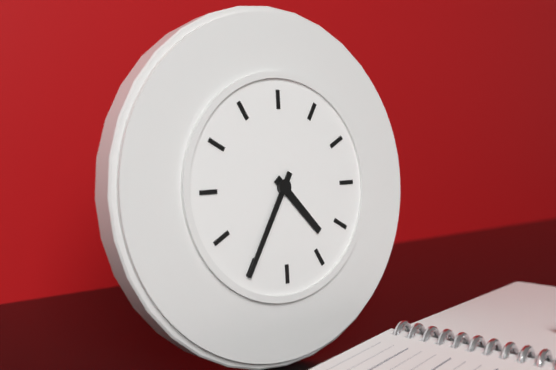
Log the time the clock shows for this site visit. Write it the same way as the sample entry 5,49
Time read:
4,35
